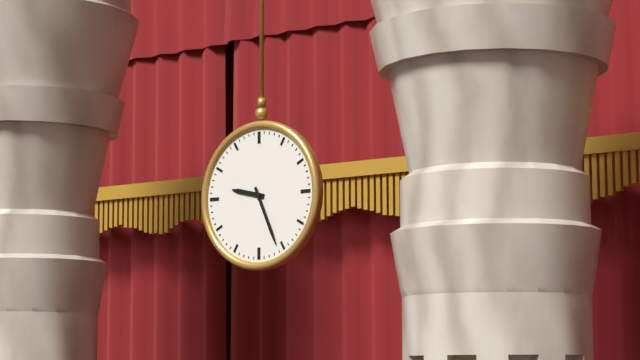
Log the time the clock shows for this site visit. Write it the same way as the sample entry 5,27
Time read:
9,26
